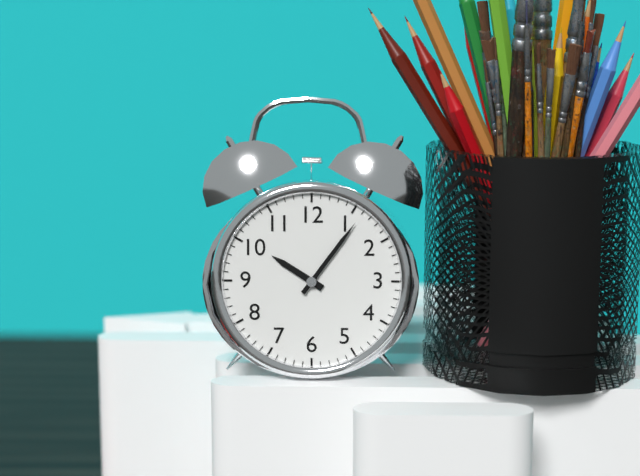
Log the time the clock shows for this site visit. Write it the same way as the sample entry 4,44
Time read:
10,06
